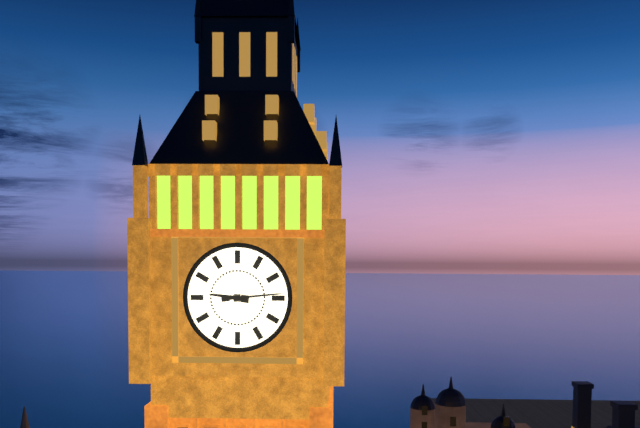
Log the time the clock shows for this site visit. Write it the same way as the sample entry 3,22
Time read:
9,14
